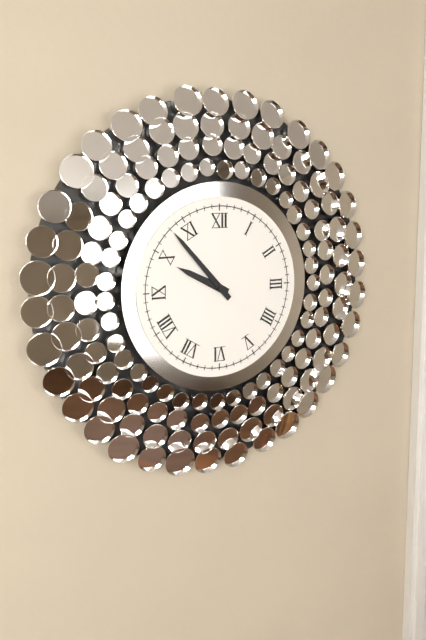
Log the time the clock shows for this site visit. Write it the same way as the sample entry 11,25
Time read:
9,53
